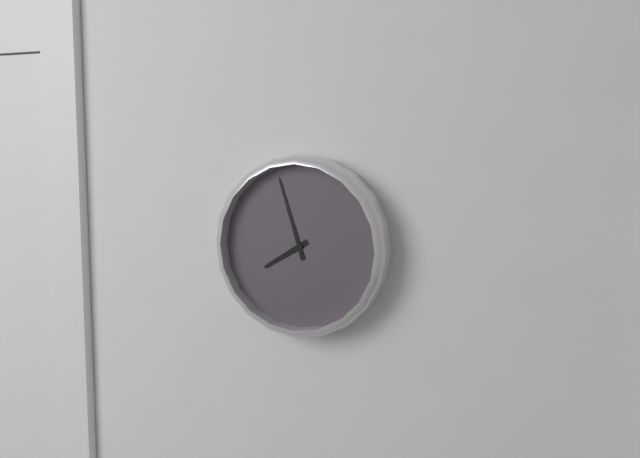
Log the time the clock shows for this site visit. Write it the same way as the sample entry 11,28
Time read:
7,57
